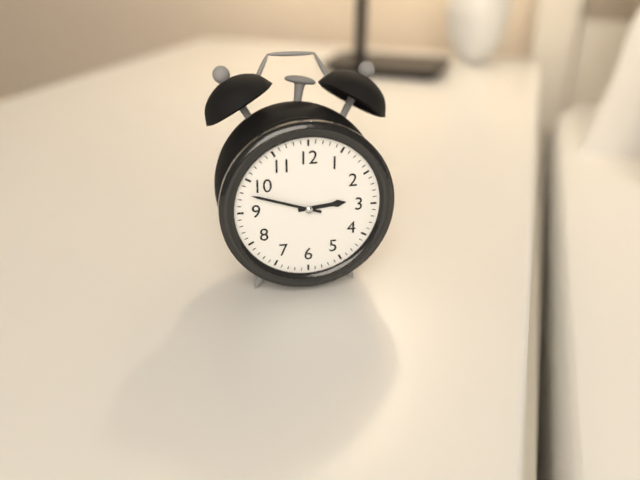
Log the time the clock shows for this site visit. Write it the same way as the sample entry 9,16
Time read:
2,48
